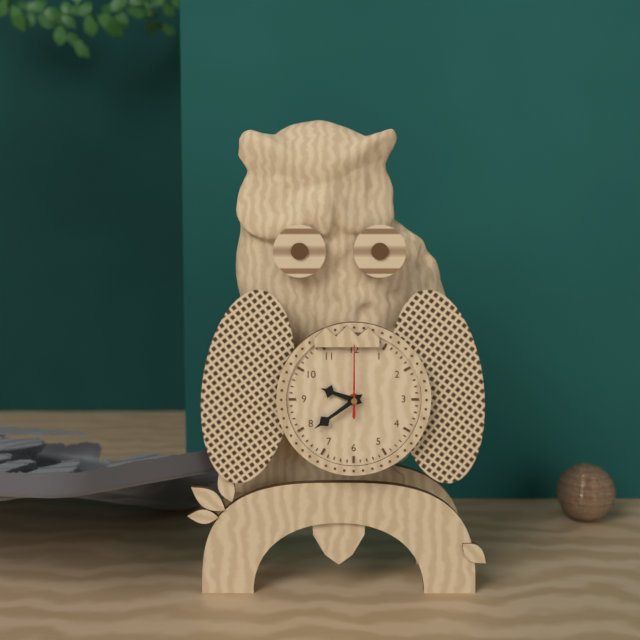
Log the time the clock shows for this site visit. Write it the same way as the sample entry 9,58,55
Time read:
9,39,00
